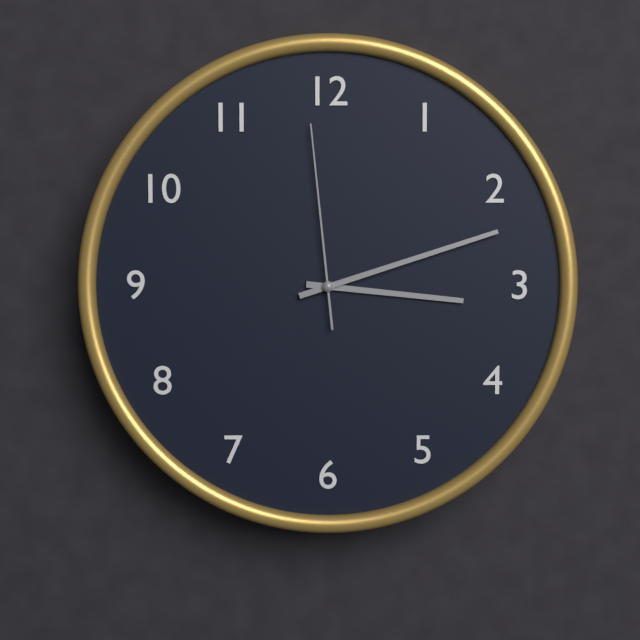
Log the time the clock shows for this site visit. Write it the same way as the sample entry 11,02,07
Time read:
3,12,59
